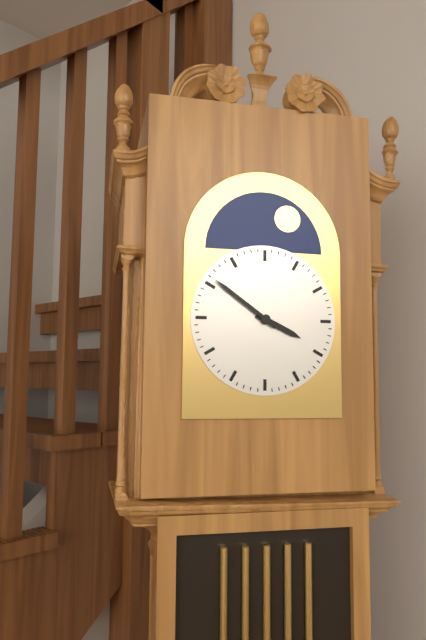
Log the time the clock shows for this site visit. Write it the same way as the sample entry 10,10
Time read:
3,51
